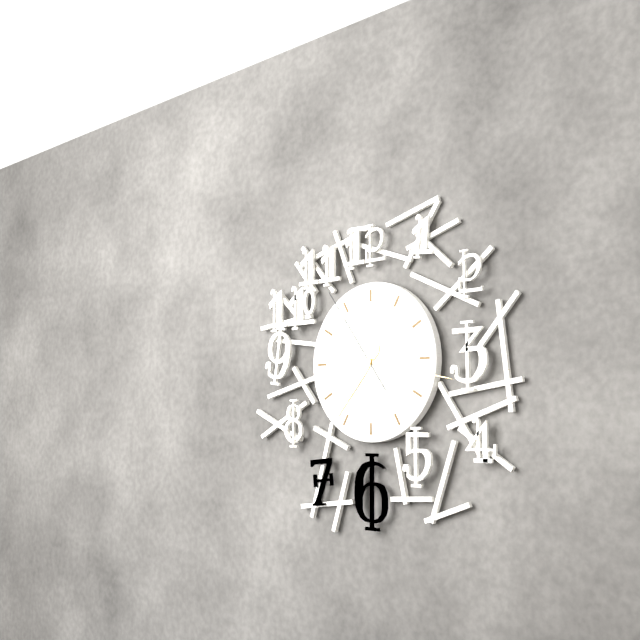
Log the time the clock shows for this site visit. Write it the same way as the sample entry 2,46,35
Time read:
7,17,54
